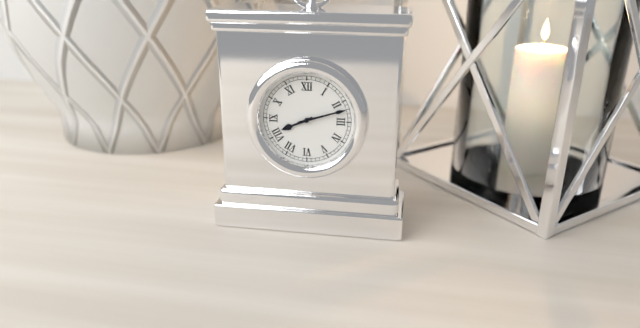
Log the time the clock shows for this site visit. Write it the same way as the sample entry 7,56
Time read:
8,12
